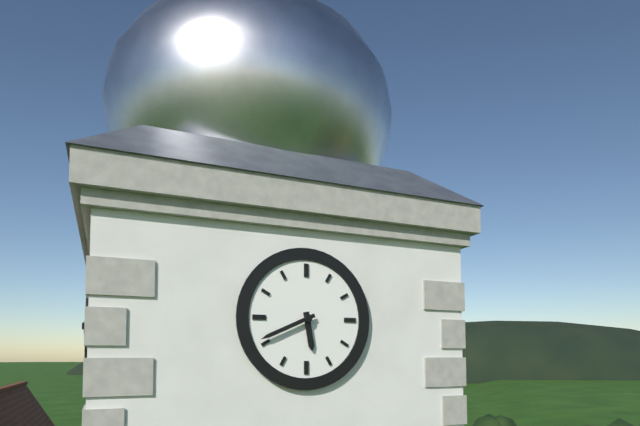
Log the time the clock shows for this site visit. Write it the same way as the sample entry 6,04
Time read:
5,41
